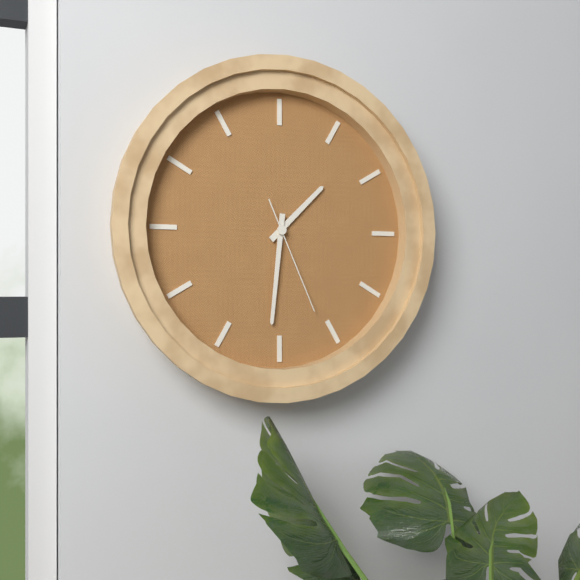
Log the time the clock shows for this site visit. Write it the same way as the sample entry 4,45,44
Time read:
1,31,26
